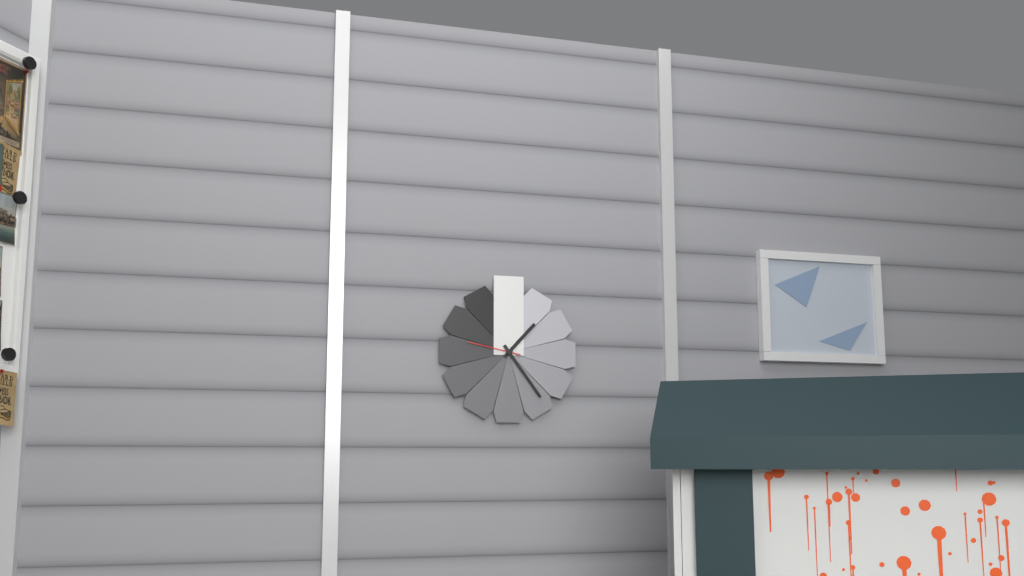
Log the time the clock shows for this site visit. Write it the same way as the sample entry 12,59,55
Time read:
1,24,47
